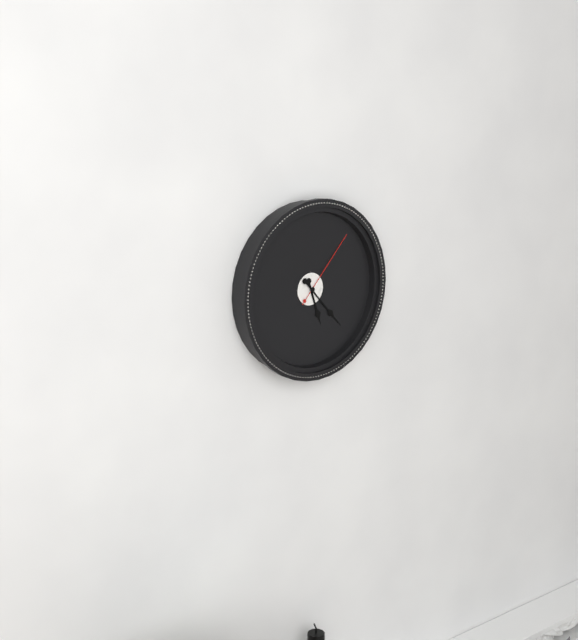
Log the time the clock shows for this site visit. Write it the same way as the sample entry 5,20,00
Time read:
5,23,07
